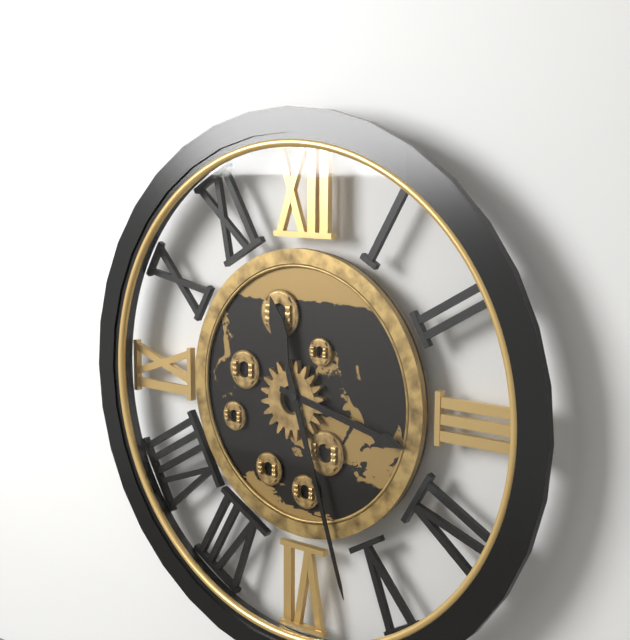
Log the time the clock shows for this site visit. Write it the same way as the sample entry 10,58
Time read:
3,27
